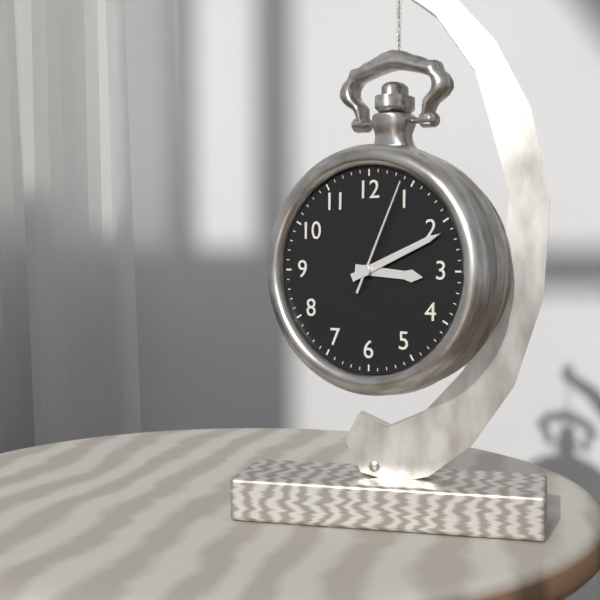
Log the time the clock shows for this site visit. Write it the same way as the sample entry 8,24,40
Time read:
3,11,04
